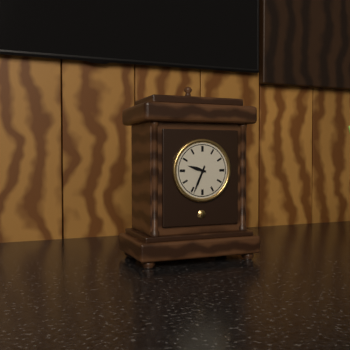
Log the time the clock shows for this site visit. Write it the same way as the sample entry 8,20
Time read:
9,34
